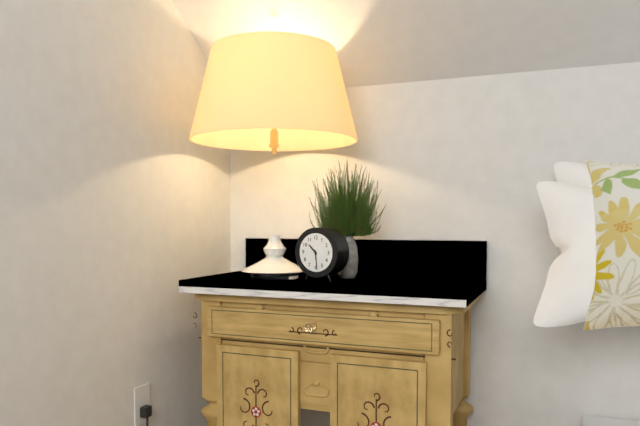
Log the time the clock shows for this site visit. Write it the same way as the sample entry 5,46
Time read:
10,29
